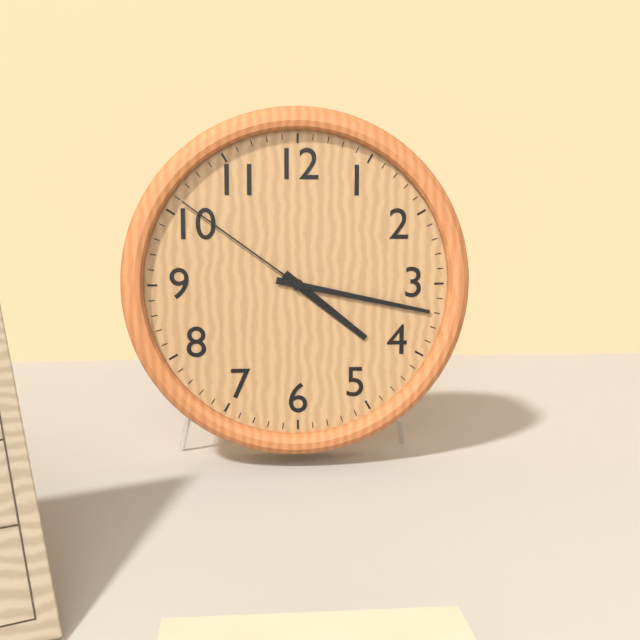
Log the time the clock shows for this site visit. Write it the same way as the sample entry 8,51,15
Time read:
4,17,51
